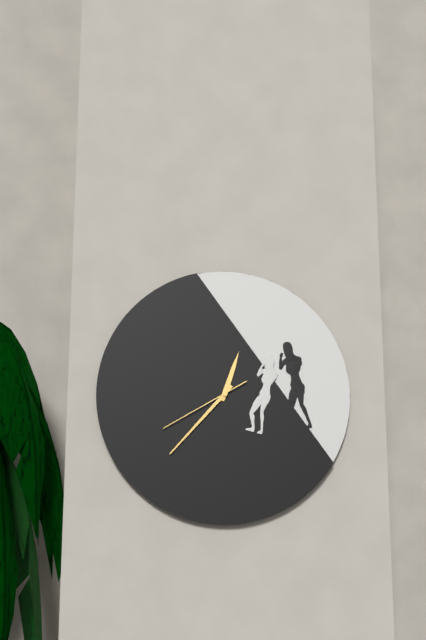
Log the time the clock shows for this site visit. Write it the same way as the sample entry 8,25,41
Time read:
12,37,40
